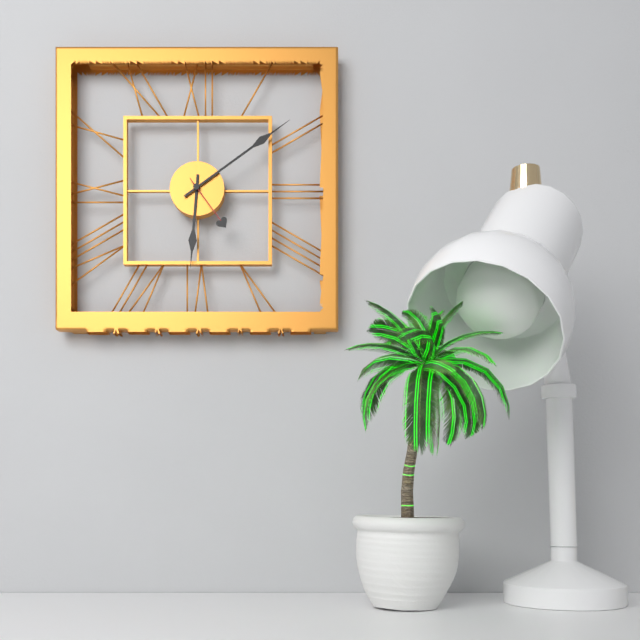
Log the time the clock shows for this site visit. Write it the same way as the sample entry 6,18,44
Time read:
6,09,24
